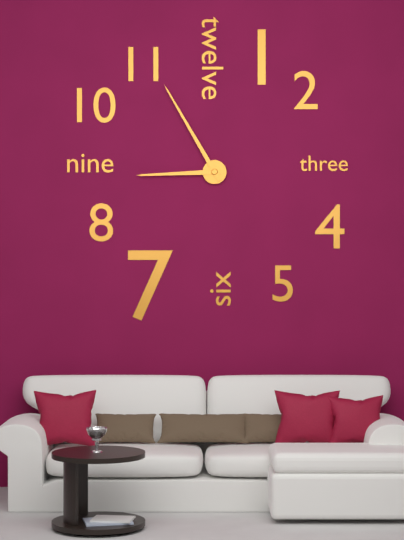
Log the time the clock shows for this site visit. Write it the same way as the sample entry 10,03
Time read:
8,55
